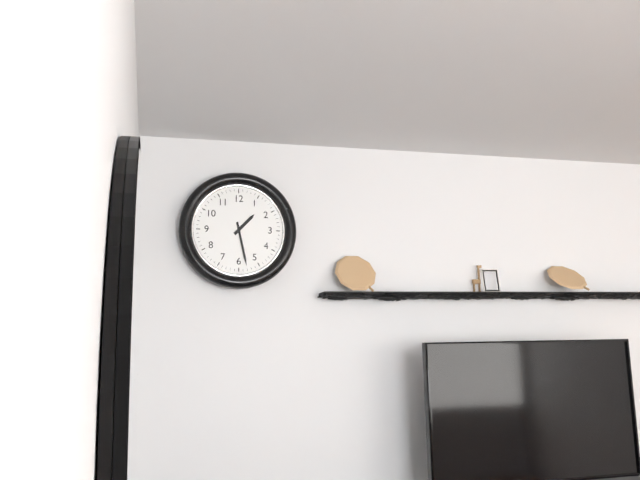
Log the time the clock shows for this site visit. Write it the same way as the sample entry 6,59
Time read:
1,28
